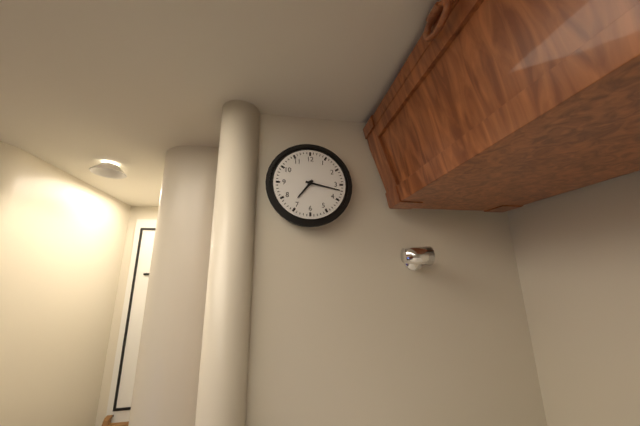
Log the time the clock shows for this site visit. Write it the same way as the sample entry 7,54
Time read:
7,17
